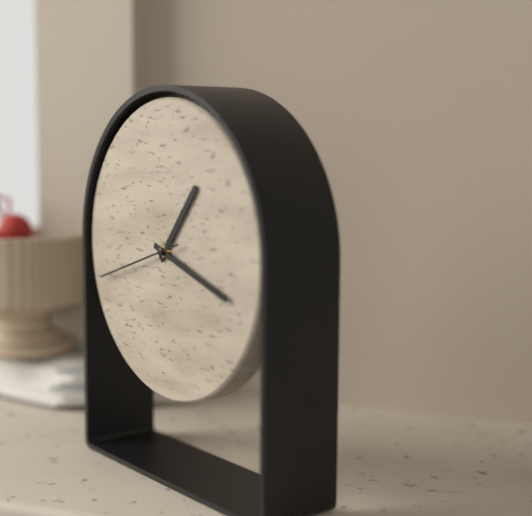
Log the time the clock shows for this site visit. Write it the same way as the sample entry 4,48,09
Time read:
1,18,42
